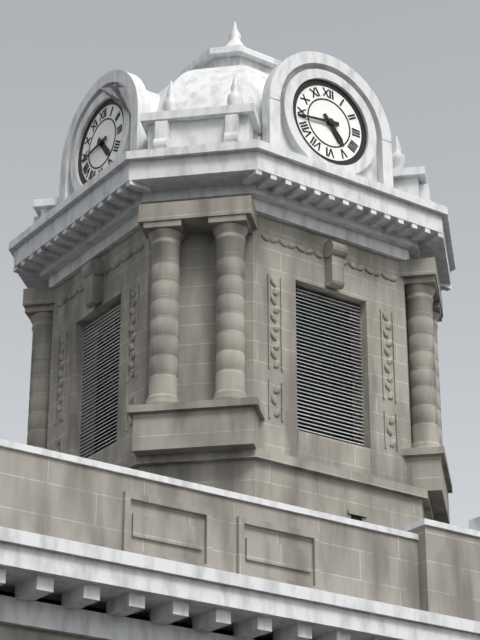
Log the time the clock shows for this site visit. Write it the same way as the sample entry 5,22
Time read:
4,44
